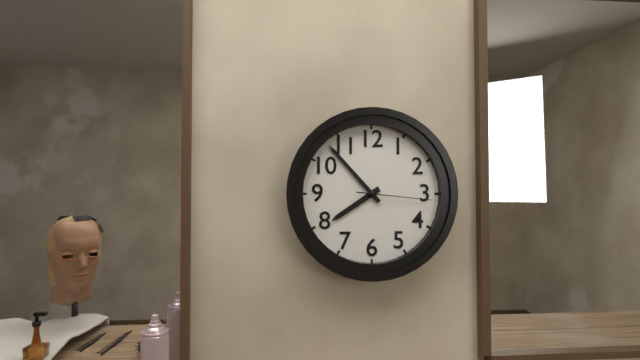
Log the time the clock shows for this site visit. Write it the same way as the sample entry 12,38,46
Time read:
7,53,16
